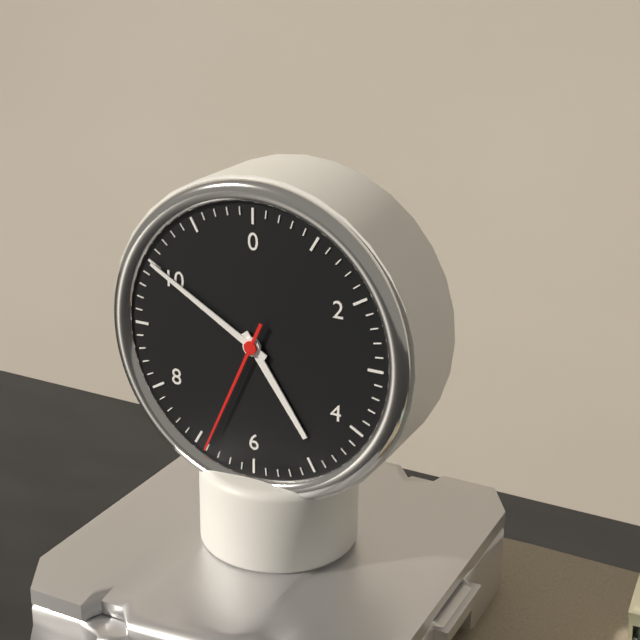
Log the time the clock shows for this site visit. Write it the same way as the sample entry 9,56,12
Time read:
4,50,34
